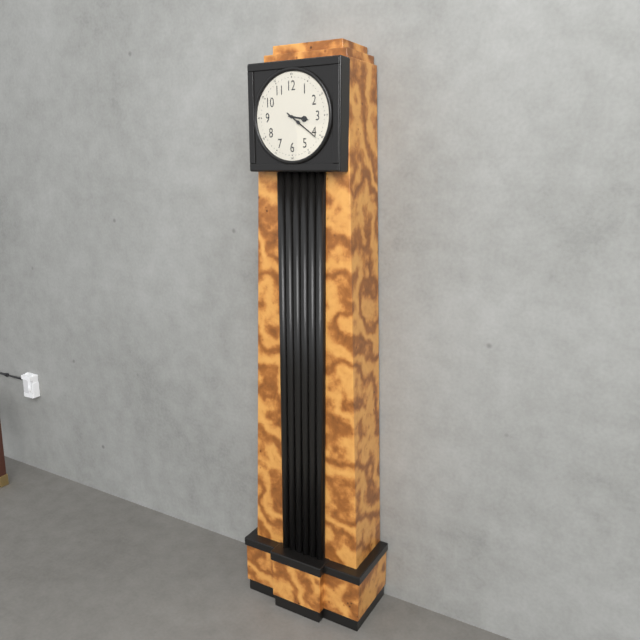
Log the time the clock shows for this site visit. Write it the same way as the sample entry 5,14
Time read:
3,21
